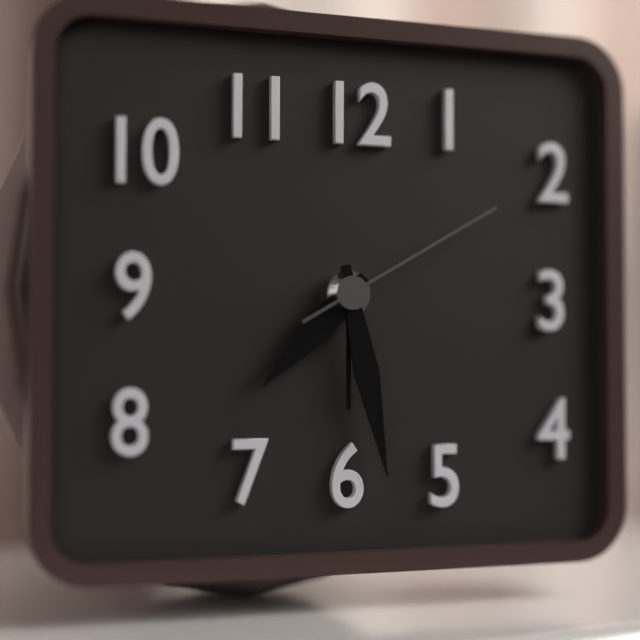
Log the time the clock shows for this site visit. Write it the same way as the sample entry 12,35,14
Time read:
7,28,10
